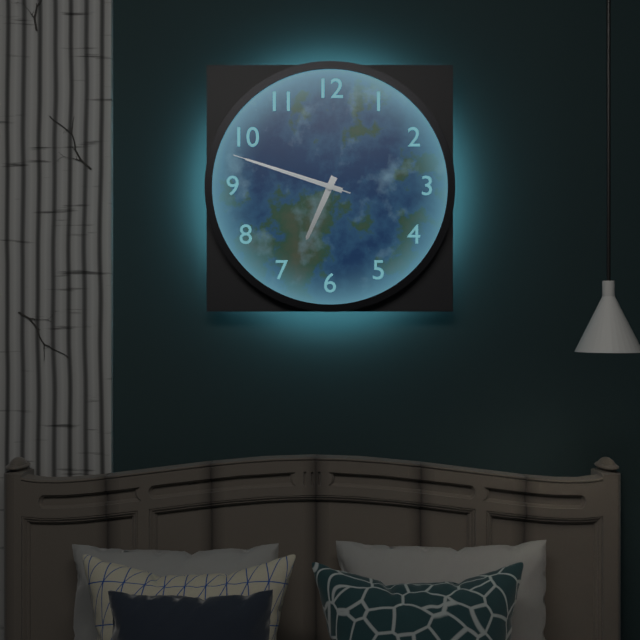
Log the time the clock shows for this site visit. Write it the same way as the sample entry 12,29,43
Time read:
6,48,48
